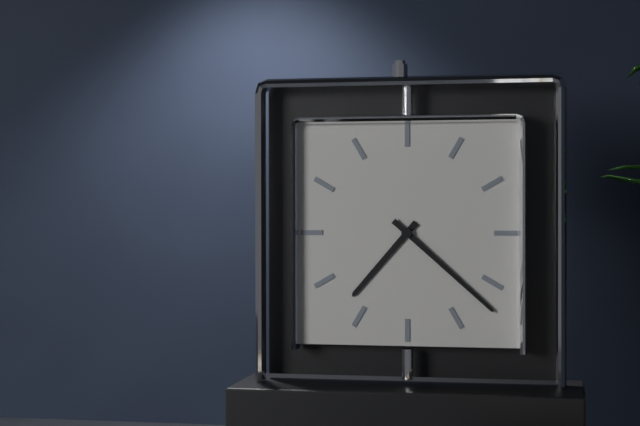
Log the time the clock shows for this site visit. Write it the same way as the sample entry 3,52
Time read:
7,22
